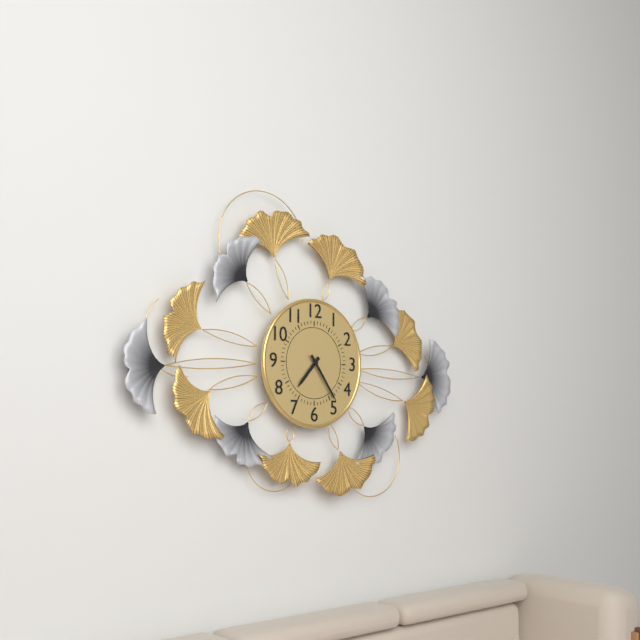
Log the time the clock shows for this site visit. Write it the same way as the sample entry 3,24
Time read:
7,24
